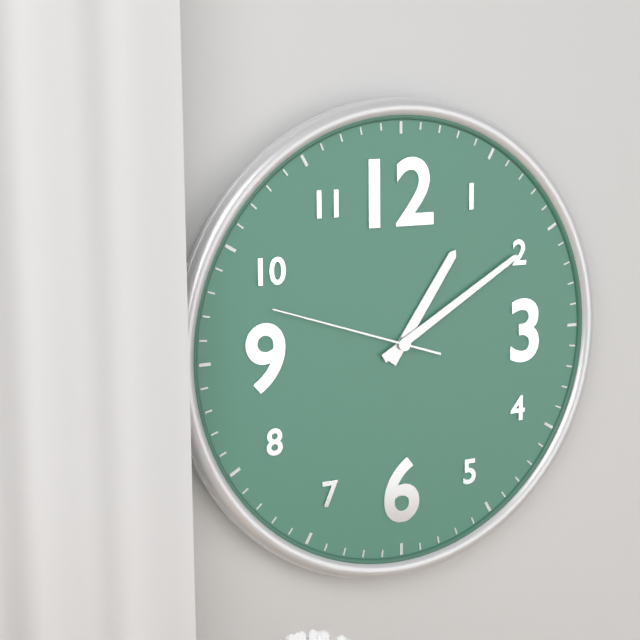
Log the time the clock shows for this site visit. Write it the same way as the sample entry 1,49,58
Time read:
1,10,48
